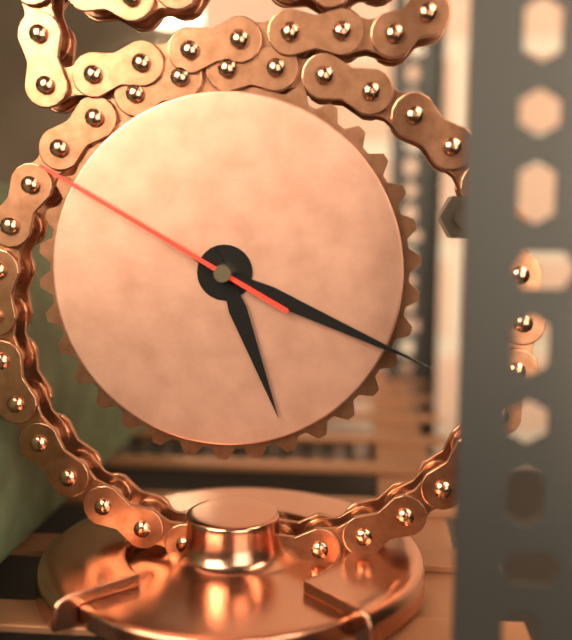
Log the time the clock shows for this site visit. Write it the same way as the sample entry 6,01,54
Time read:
5,19,50
